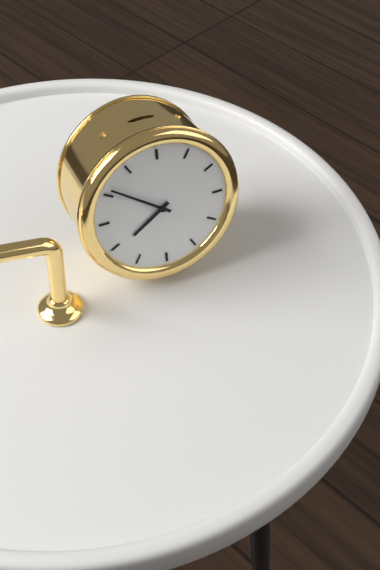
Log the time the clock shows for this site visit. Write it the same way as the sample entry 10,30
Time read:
7,51
